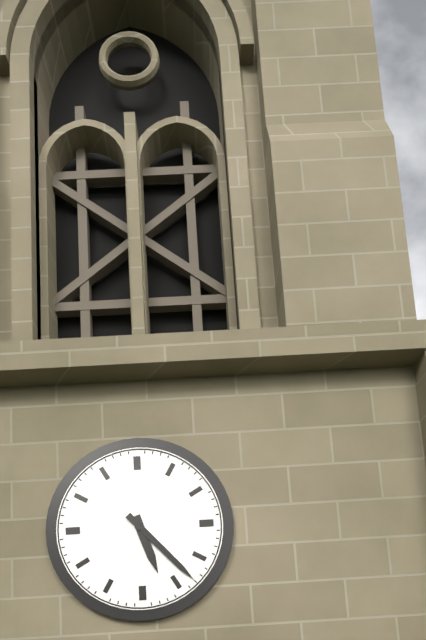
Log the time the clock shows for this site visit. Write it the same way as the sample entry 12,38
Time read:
5,23
